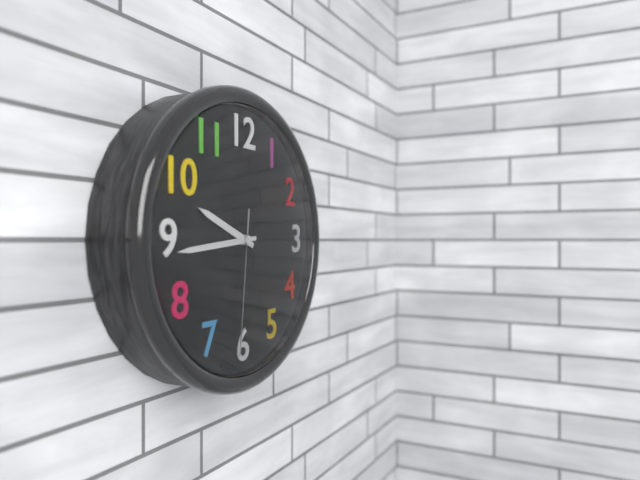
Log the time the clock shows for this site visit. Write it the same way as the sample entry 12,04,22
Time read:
9,44,31
